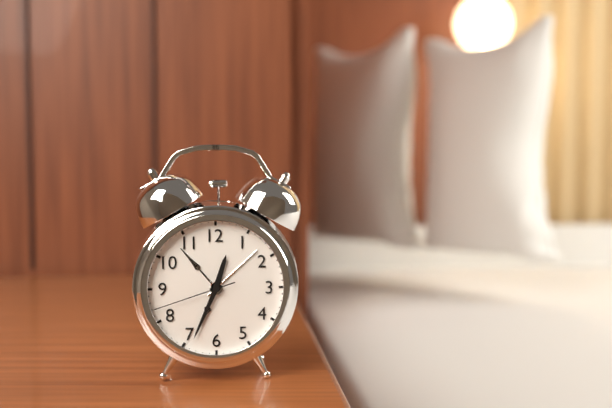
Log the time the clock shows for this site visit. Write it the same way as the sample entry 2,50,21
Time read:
12,34,42
